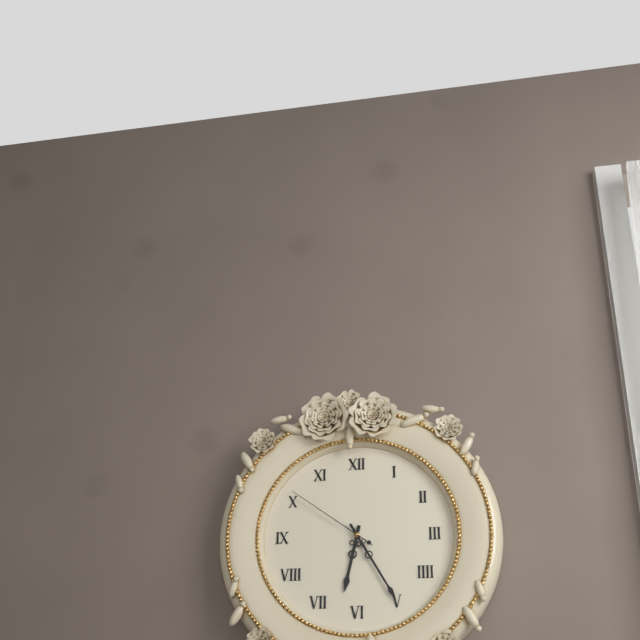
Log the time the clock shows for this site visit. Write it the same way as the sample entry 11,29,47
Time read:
6,25,51
